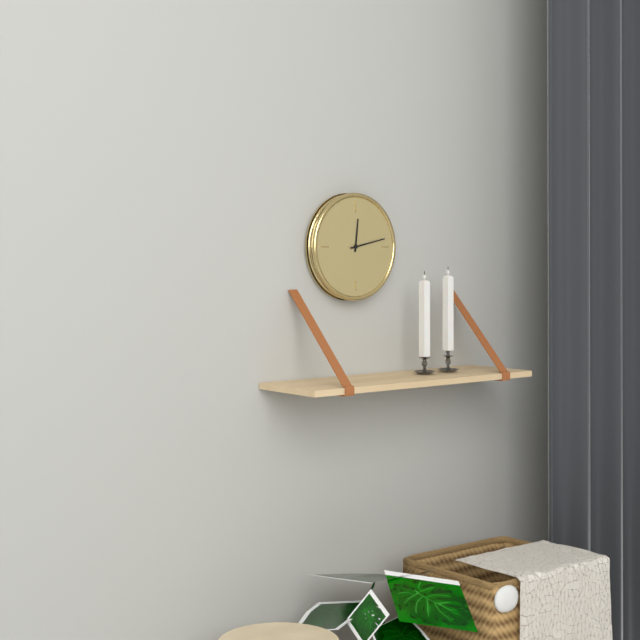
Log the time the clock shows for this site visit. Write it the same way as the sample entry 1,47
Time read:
12,13
